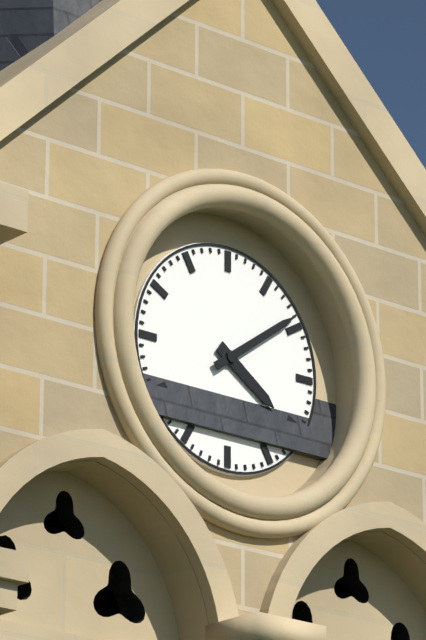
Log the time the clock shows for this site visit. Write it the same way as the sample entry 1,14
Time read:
4,09
